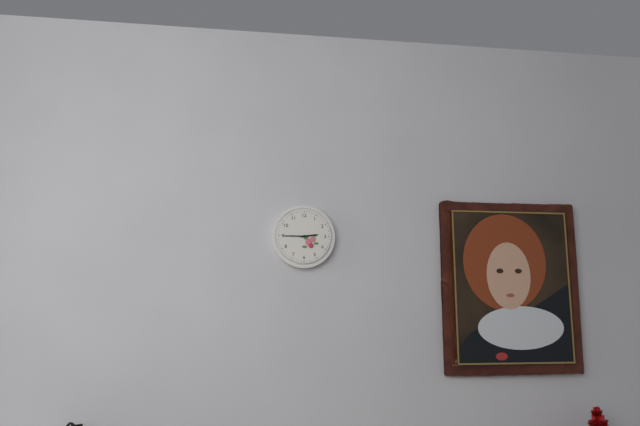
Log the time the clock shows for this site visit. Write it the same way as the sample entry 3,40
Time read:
2,45
